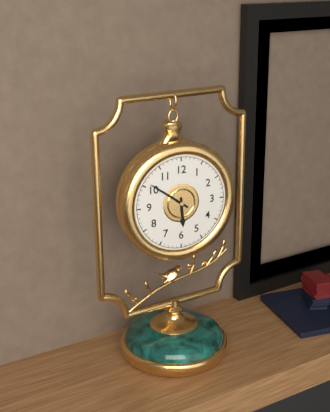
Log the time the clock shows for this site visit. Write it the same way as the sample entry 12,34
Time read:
5,51
